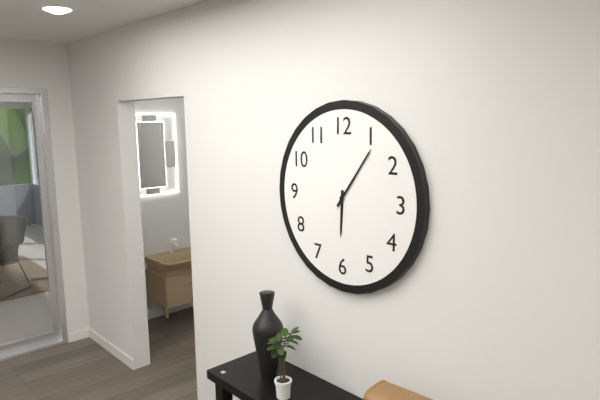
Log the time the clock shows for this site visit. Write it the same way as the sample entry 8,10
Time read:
6,06
